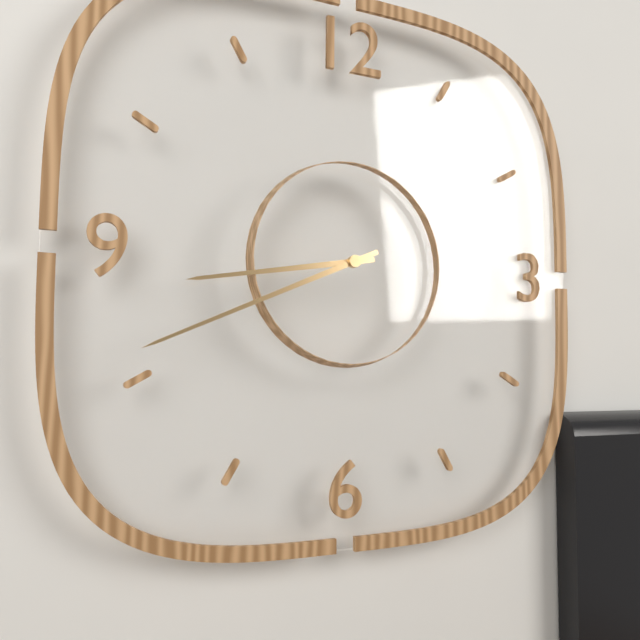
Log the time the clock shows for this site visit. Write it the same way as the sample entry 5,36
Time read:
8,41
